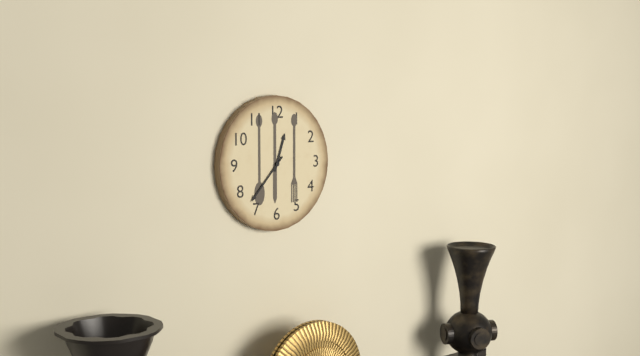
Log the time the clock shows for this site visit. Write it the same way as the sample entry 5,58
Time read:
12,37
